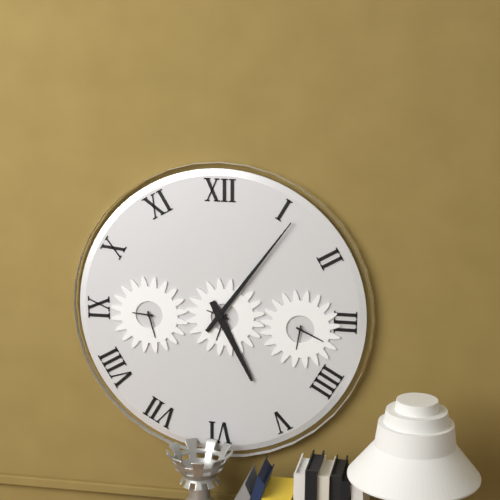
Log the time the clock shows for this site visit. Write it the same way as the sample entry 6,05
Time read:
5,06
